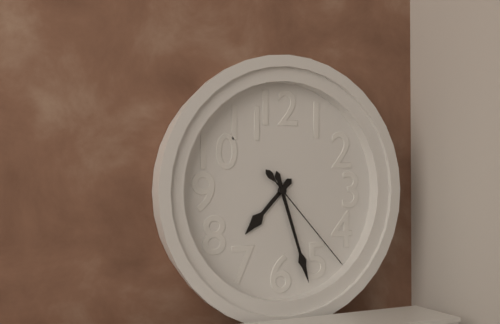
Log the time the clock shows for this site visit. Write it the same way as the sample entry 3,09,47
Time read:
7,27,23
